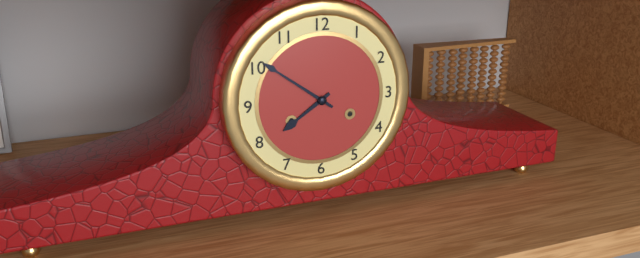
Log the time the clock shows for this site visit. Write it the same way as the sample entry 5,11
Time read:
7,51
